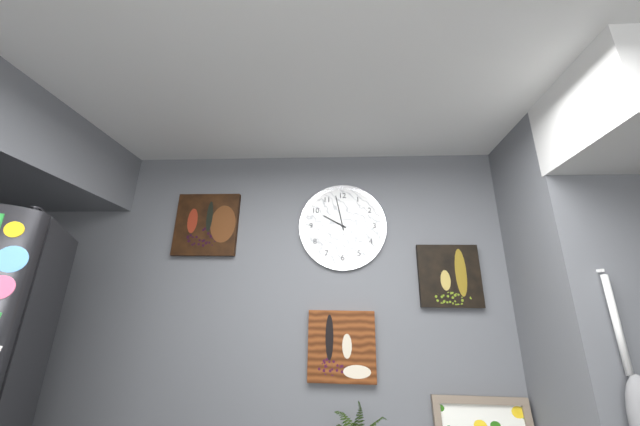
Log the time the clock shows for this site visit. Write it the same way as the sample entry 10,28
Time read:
9,58
